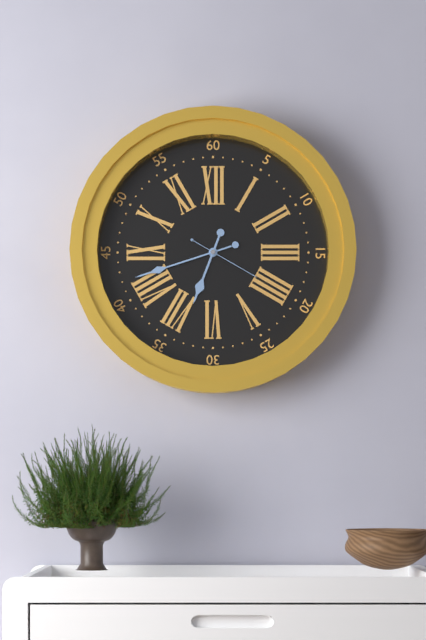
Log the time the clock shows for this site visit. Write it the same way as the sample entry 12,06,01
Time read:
6,42,20
